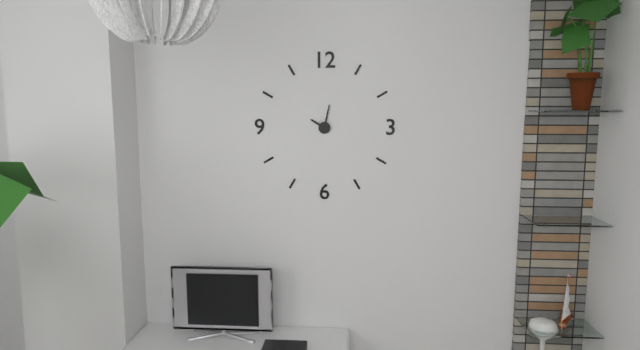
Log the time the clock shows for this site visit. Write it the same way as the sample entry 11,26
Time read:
10,02
